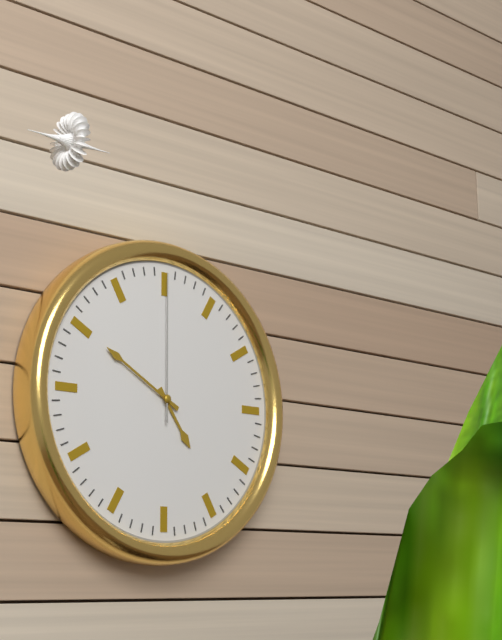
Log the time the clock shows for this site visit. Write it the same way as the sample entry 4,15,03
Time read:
4,50,00
